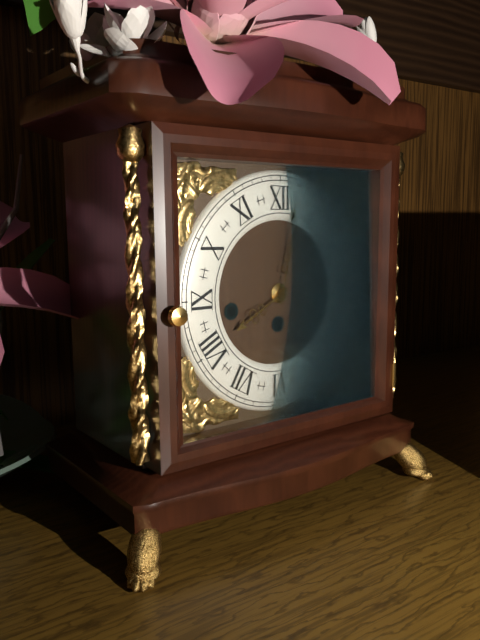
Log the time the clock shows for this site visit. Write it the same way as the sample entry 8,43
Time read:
8,02
